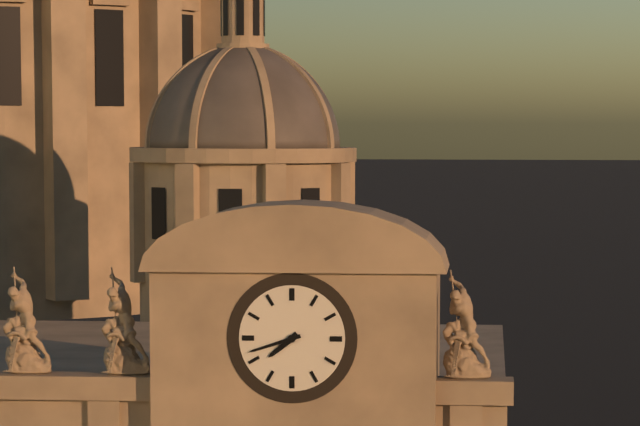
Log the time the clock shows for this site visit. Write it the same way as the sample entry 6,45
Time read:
7,42
